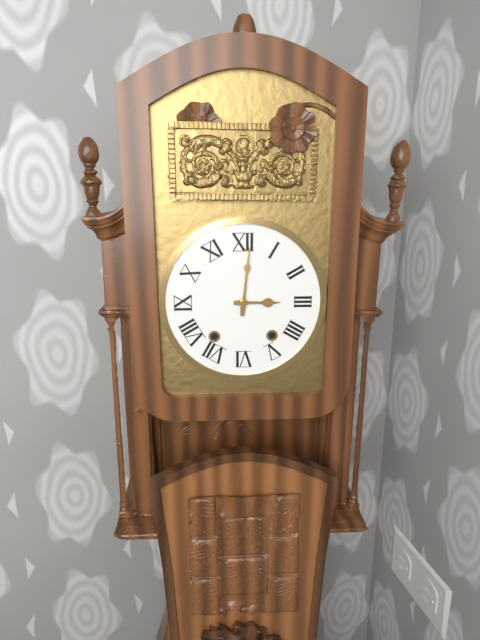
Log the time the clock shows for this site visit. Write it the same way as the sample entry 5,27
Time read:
3,01
